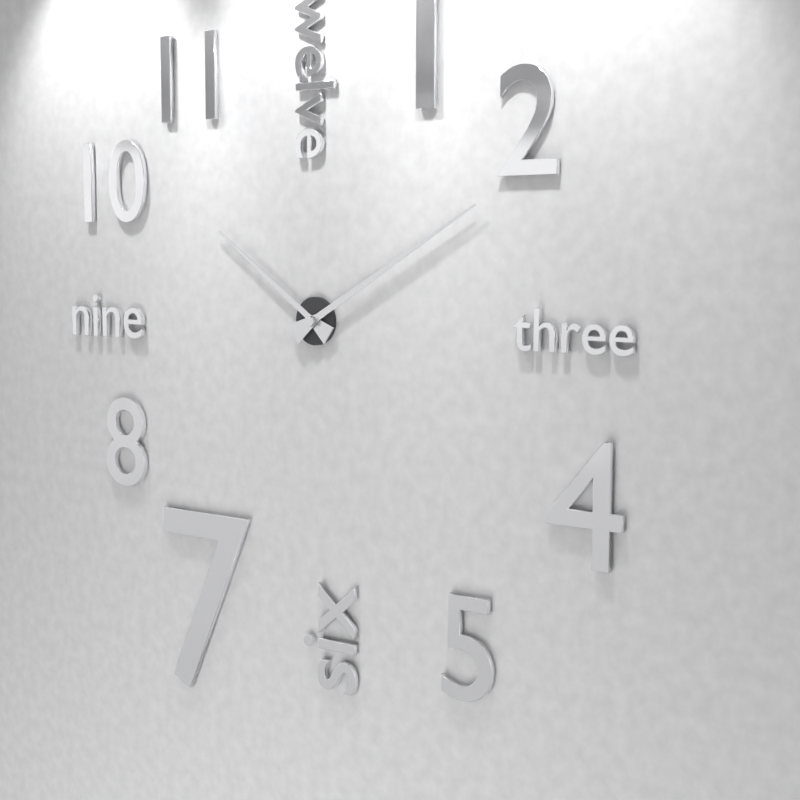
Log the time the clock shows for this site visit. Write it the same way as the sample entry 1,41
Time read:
10,10
